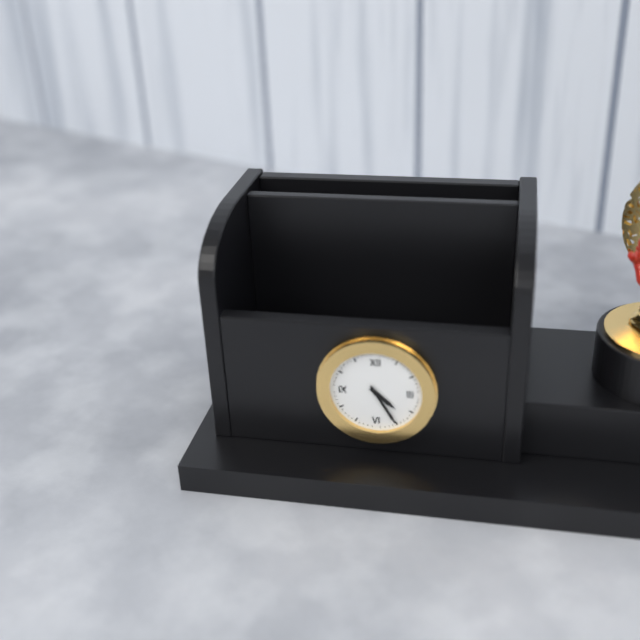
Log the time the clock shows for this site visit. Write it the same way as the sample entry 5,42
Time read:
4,25
